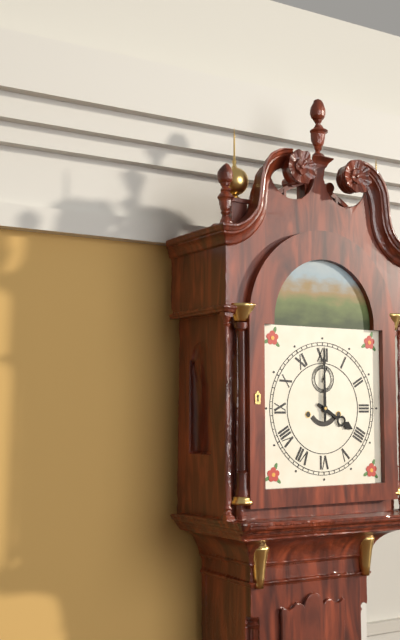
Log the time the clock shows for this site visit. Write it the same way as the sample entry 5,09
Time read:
4,00
